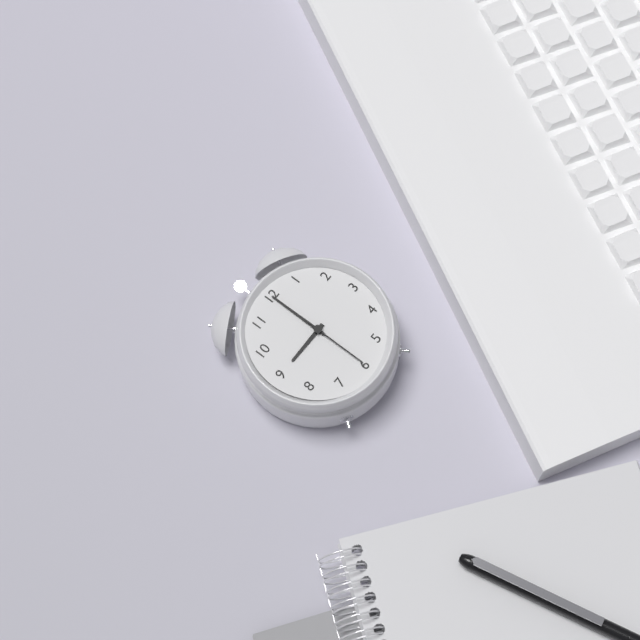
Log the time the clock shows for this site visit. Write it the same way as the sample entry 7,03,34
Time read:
9,00,30
